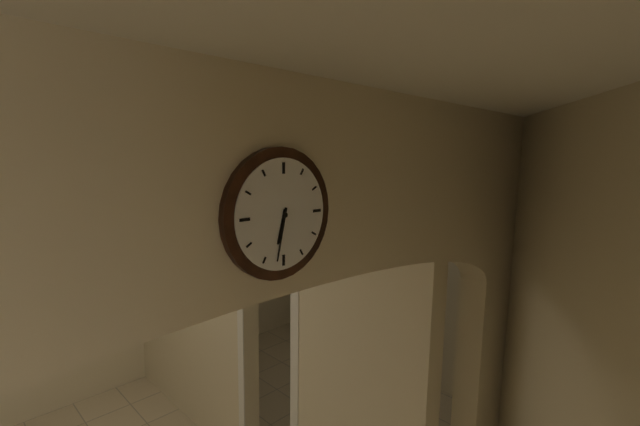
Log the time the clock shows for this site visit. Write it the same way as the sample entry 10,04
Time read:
6,32
